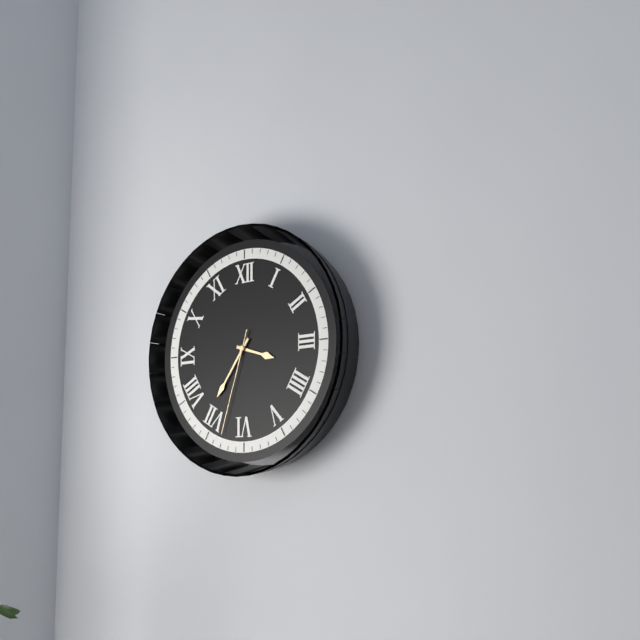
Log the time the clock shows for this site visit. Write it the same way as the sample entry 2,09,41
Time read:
3,36,33
